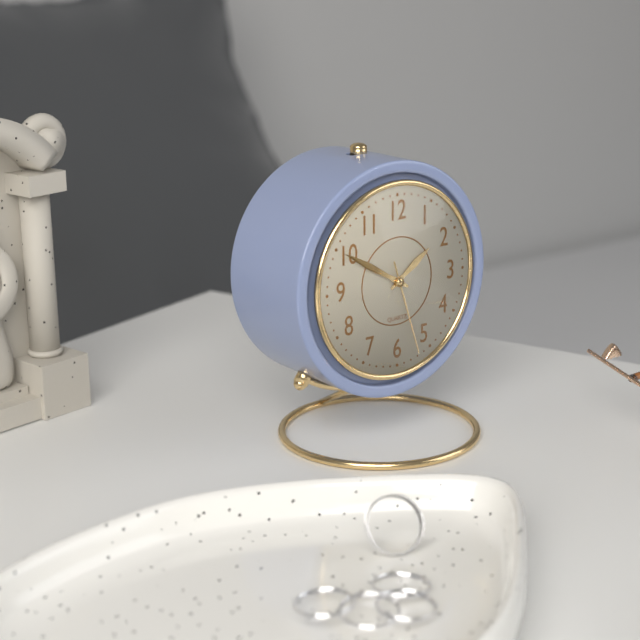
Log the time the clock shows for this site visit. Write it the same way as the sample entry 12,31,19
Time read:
1,50,27
